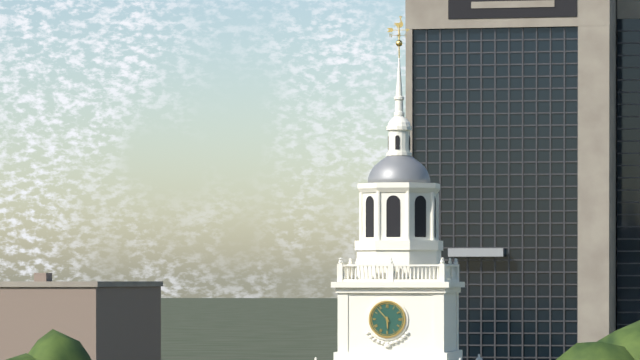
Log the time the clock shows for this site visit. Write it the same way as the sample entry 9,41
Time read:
5,53
